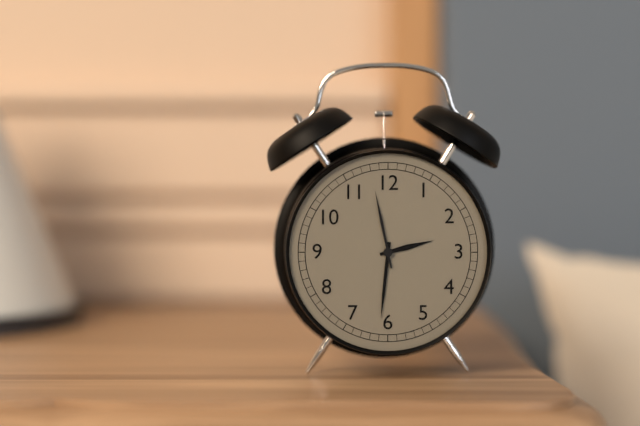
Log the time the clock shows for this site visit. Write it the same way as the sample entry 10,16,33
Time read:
2,31,58
